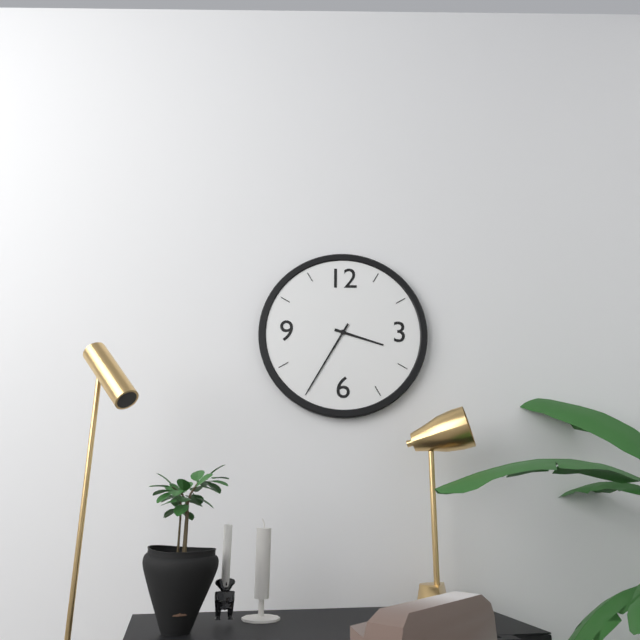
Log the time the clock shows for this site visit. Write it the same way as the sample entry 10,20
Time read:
3,35
